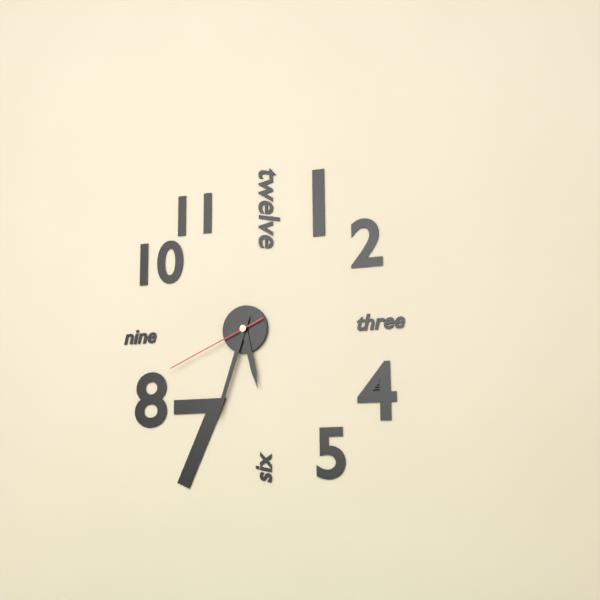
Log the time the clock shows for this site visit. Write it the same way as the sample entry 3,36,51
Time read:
5,33,41
